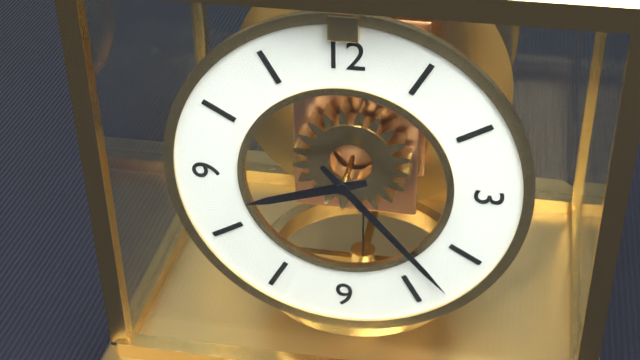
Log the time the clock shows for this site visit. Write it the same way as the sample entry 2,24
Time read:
8,23
